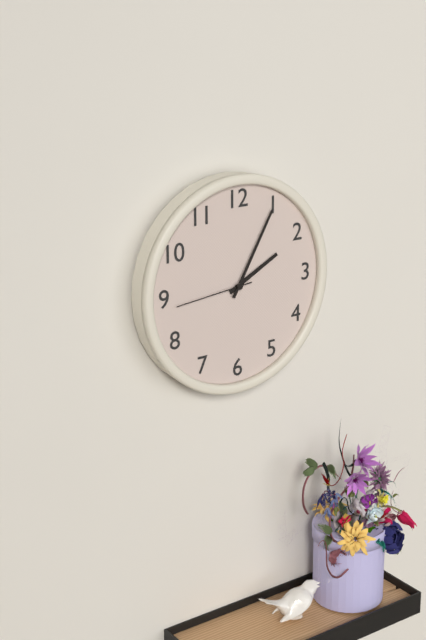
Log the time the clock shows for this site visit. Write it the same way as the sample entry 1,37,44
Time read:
2,05,44
